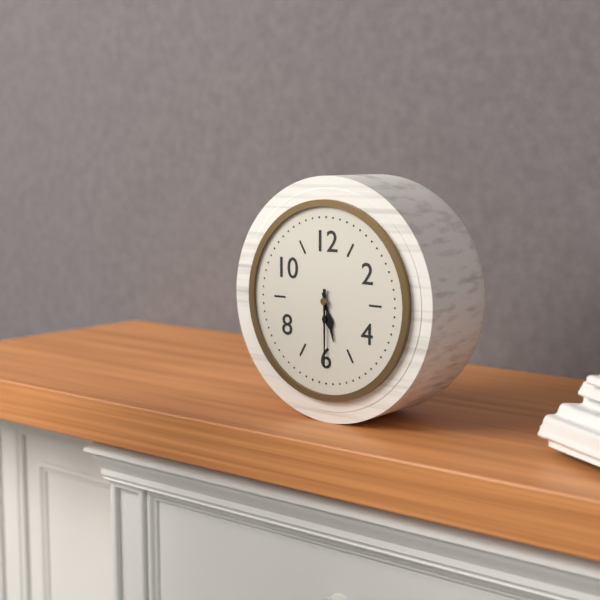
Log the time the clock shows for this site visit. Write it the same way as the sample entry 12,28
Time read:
5,30
